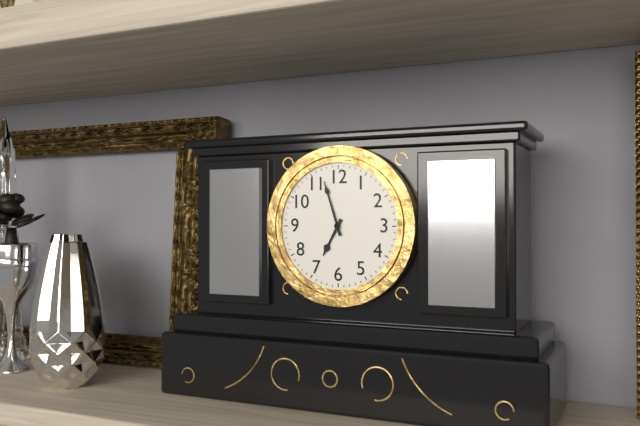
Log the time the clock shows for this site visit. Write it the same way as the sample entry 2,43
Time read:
6,57
